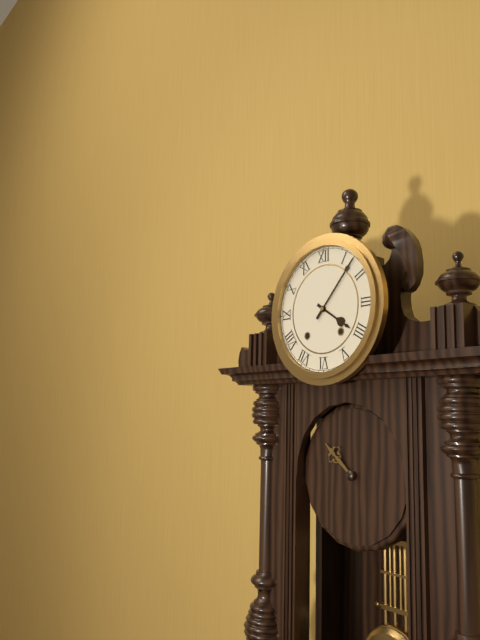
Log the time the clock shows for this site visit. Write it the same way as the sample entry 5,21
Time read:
4,07
